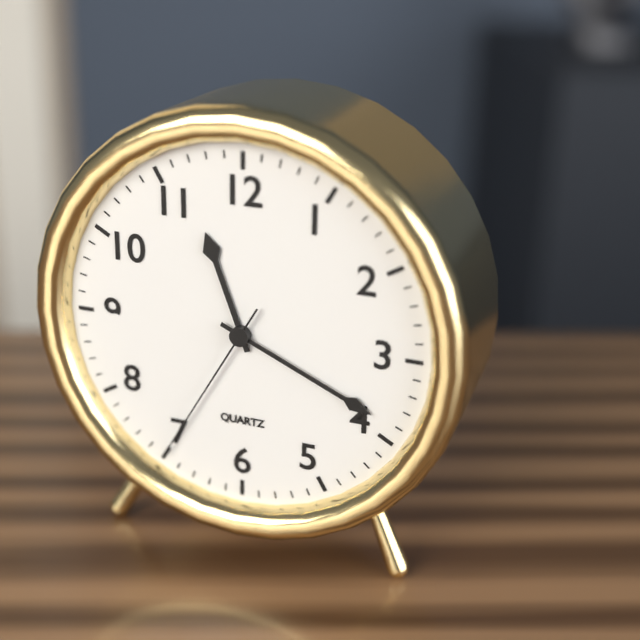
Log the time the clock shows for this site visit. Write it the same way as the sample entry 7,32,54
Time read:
11,19,35
